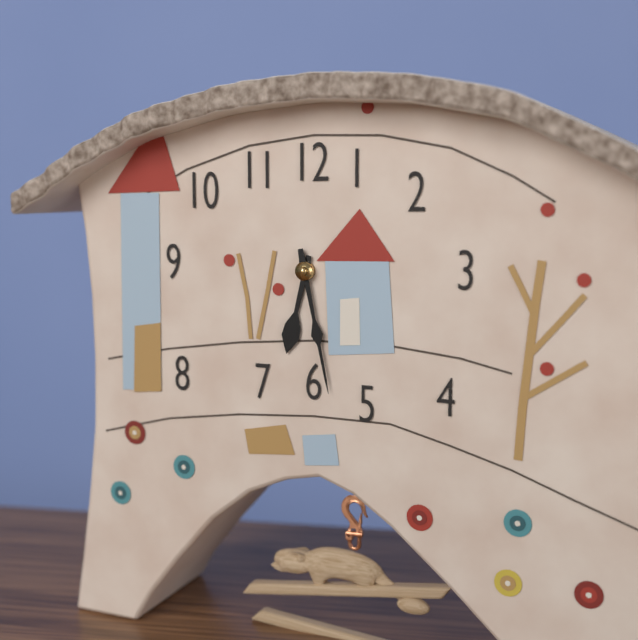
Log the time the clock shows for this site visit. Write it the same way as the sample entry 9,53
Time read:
6,28
